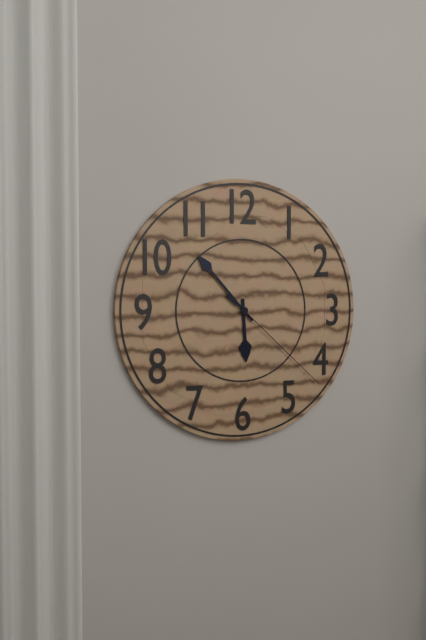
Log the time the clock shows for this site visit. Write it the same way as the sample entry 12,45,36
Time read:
5,53,22
